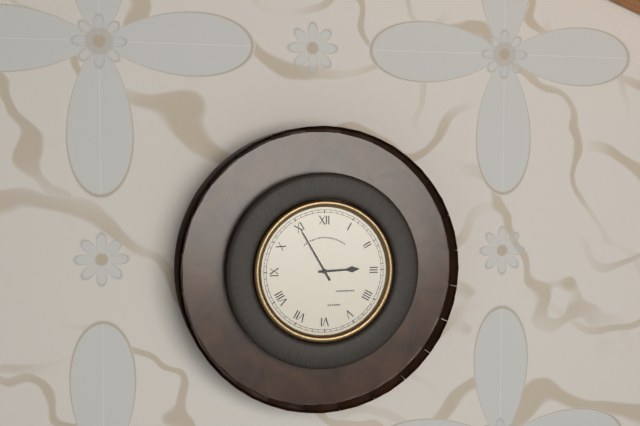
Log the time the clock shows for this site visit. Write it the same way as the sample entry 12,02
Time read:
2,55
